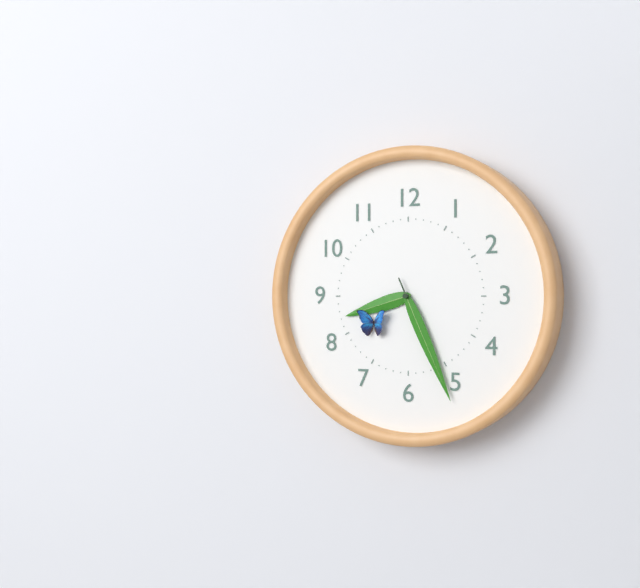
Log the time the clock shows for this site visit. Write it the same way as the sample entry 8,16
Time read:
8,26
